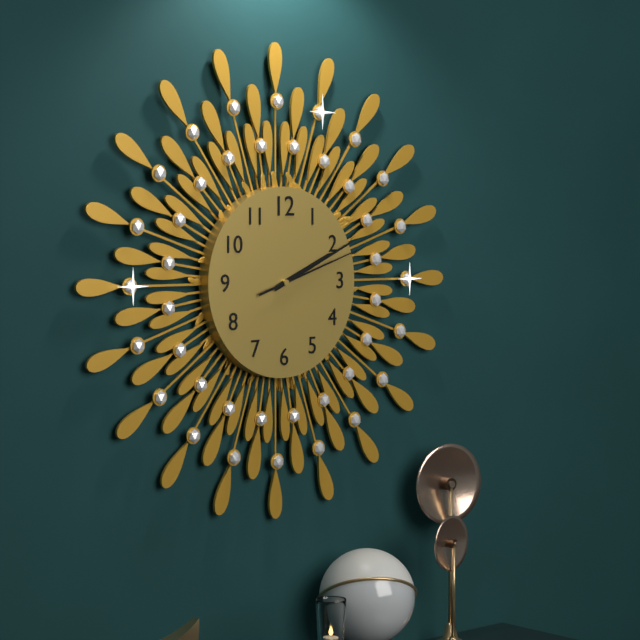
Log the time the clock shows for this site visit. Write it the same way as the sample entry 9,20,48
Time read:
2,11,12
